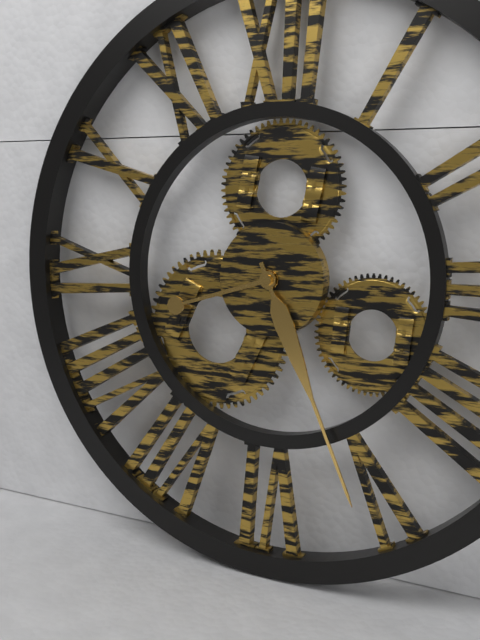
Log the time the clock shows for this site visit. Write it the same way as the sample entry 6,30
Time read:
8,26
